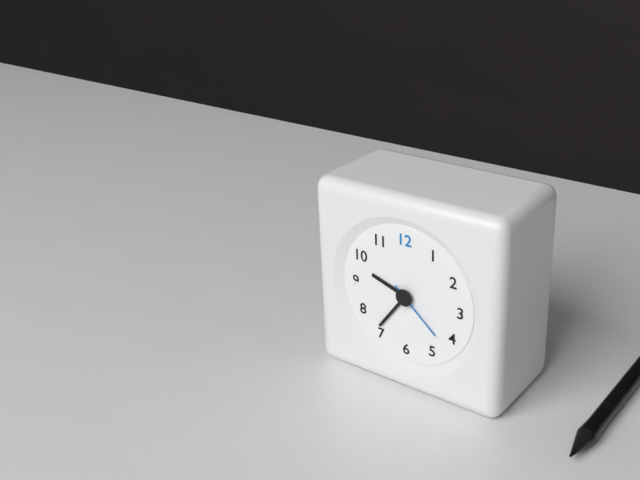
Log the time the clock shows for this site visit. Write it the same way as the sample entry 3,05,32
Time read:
9,36,22
